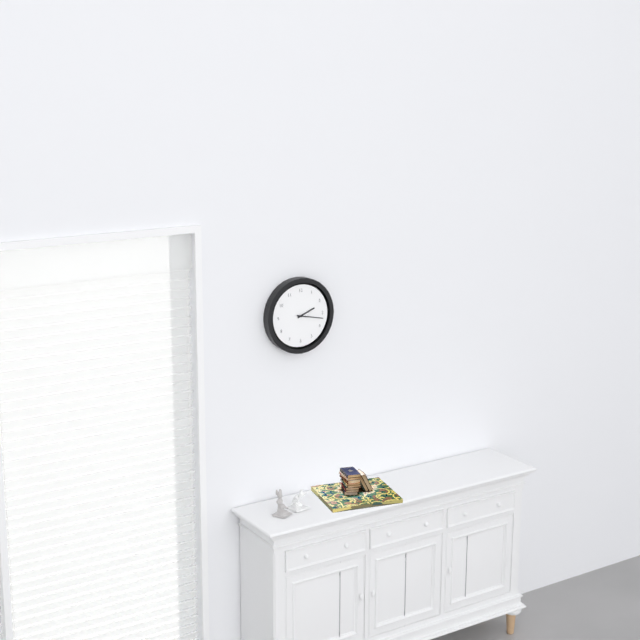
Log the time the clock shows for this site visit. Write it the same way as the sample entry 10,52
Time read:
2,17
